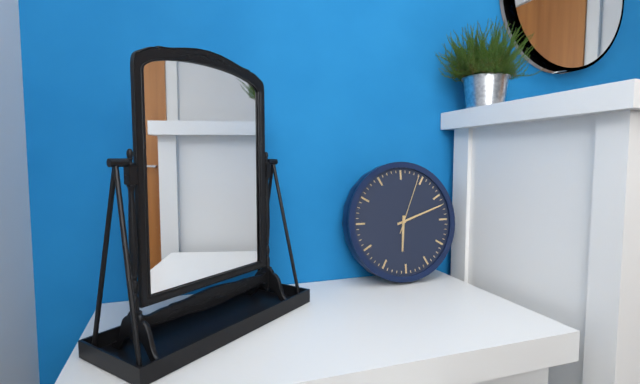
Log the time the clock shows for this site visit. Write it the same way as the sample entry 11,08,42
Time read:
6,12,04
